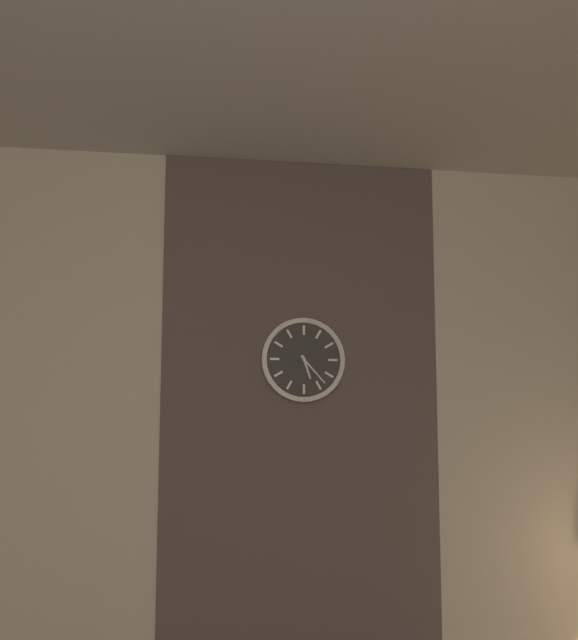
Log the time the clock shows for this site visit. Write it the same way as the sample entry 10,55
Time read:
5,23
